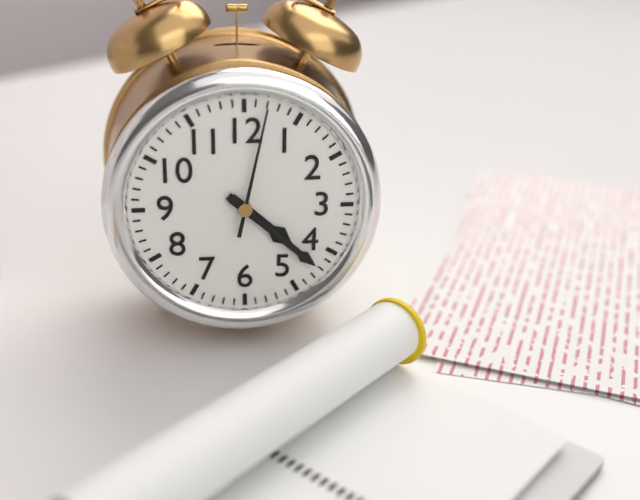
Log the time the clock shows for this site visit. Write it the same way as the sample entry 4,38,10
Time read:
4,22,02
